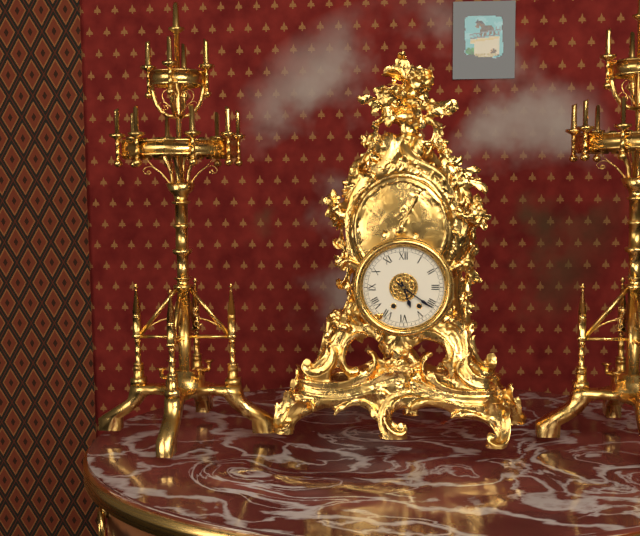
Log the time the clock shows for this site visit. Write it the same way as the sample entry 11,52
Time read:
5,21
